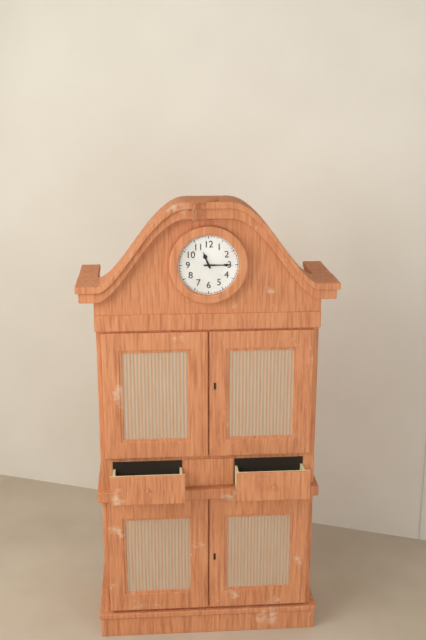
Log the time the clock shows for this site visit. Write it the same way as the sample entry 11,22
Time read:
11,15
